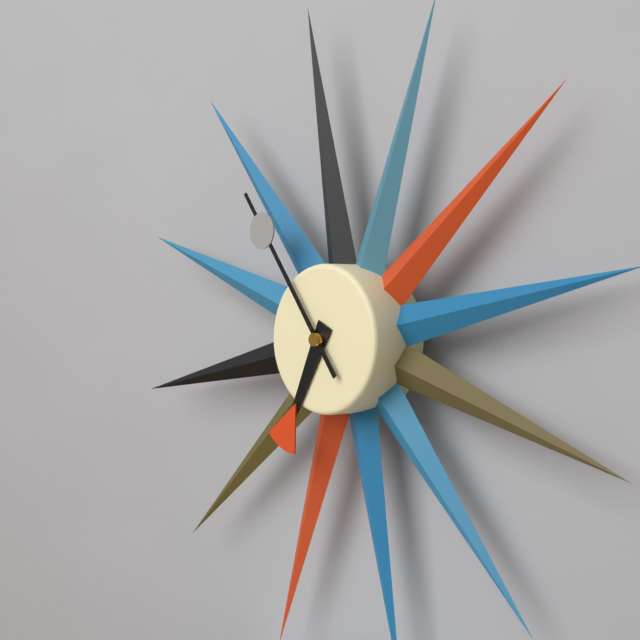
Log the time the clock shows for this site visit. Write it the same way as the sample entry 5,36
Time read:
6,54
